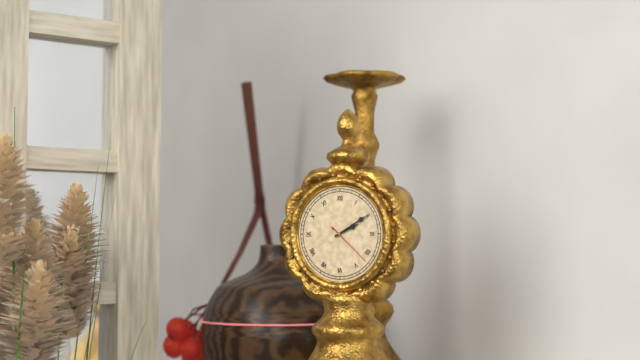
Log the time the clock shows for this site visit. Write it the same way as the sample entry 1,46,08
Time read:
2,10,22
